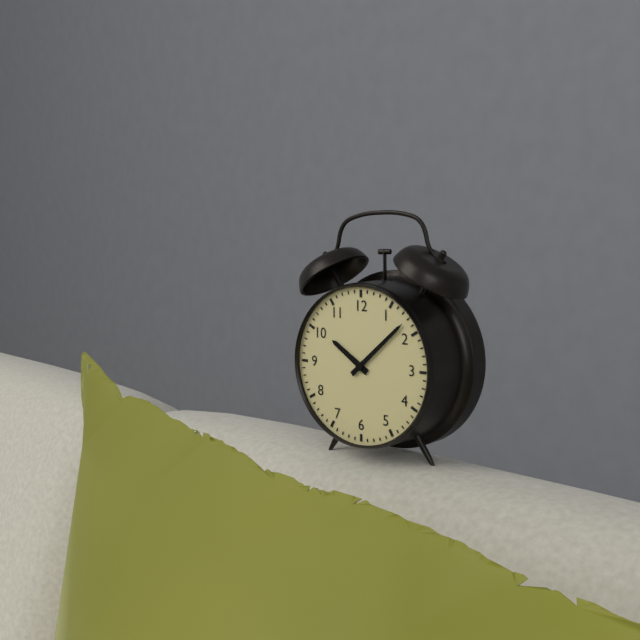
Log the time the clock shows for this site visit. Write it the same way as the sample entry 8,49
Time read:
10,08
